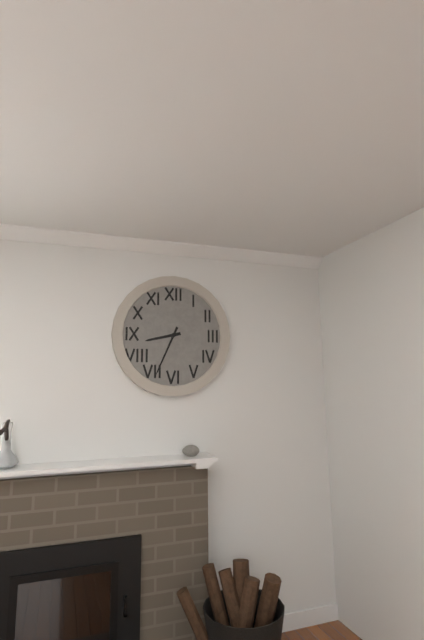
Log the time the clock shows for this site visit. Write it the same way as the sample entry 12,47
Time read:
8,34
